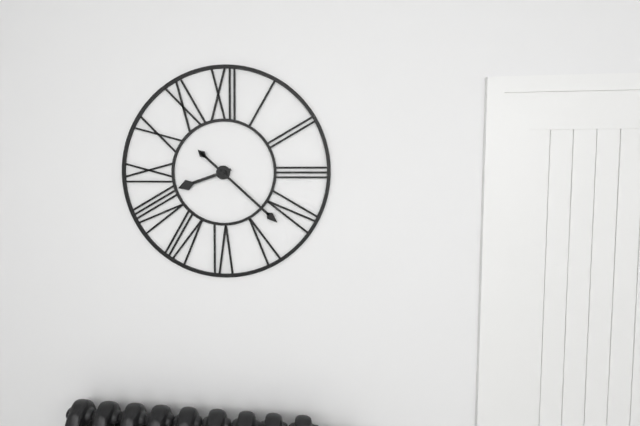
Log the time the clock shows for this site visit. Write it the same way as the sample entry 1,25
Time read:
8,22
